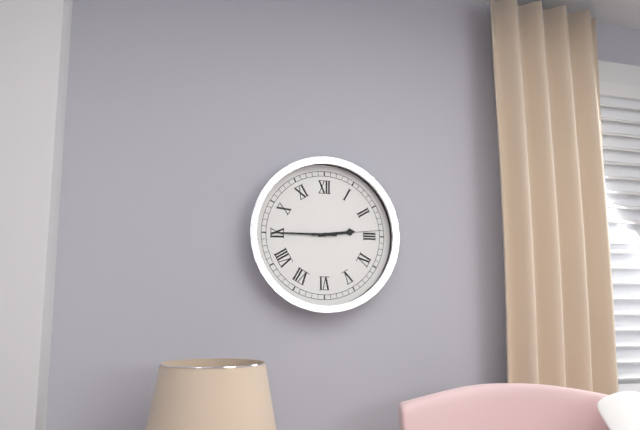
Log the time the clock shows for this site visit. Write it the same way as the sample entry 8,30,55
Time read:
2,45,14
